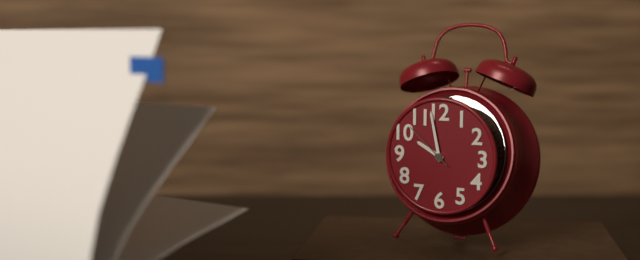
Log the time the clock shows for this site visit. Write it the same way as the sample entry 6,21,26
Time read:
9,58,52
